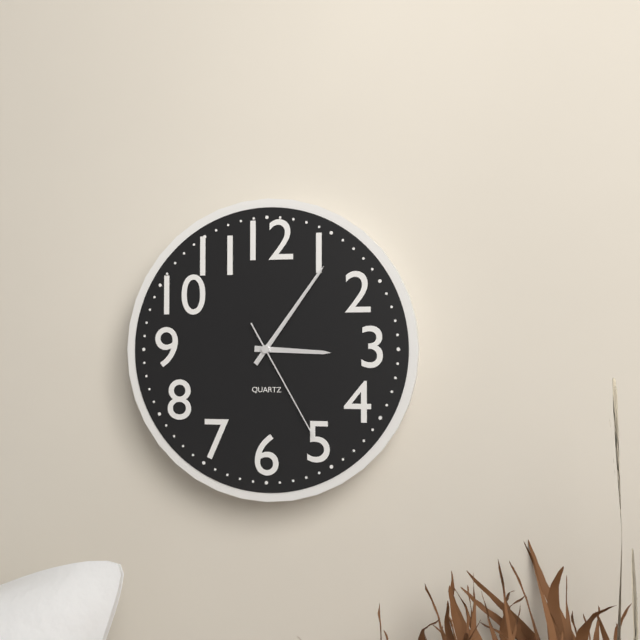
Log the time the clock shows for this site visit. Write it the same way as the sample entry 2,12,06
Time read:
3,06,25
